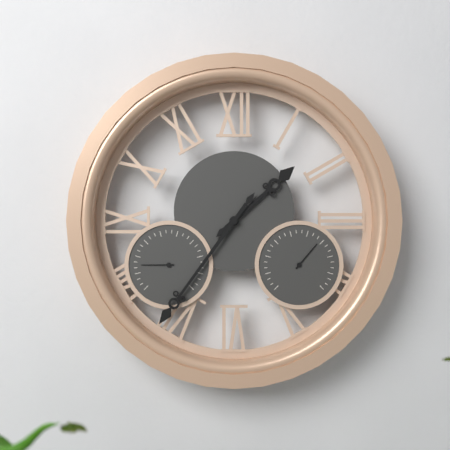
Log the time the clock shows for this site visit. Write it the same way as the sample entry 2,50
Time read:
1,36
